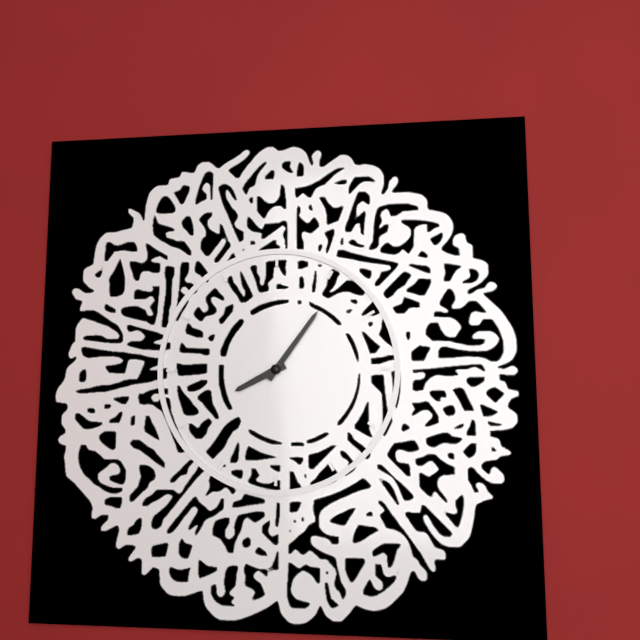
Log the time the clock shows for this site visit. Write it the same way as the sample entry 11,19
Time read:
8,06
